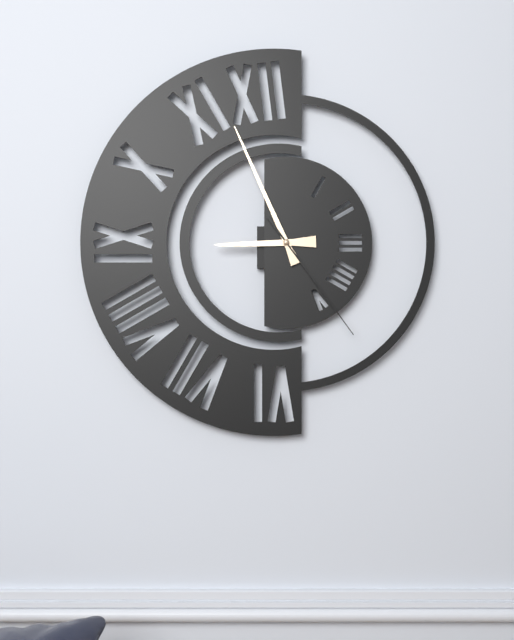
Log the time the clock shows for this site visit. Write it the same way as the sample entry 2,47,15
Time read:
8,56,24
